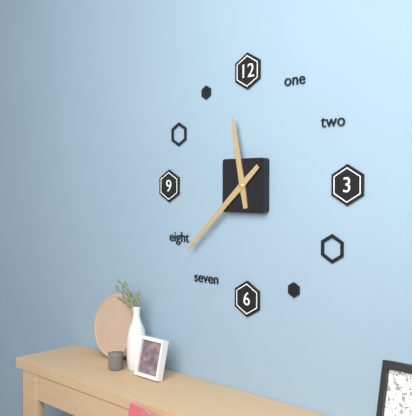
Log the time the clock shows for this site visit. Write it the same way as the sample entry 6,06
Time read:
11,38
